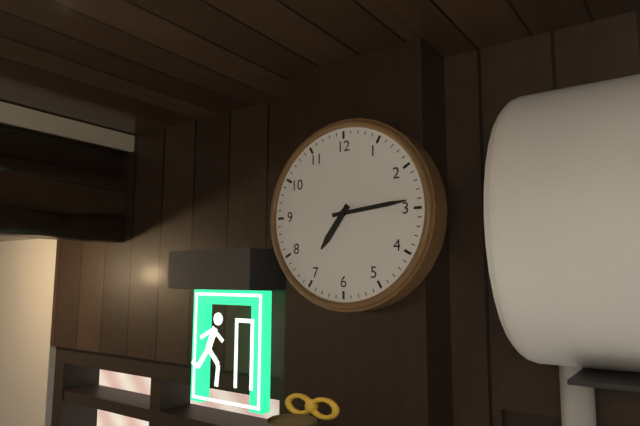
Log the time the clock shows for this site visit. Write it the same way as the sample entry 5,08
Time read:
7,14
